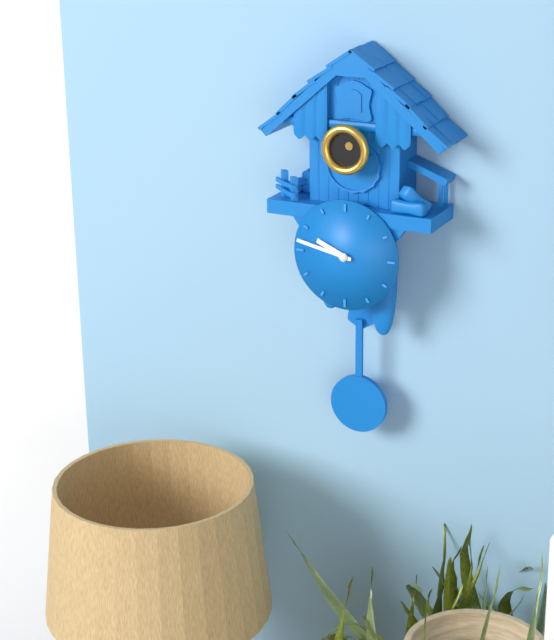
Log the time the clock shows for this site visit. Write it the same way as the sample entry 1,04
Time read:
9,47
